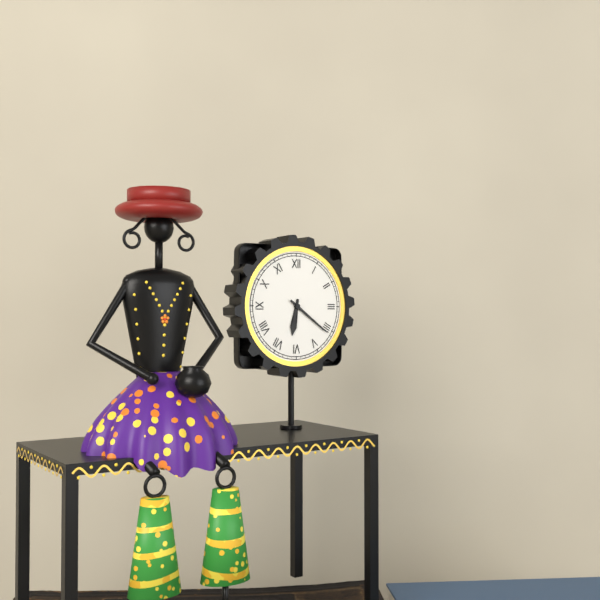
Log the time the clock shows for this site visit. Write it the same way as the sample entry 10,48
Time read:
6,21
